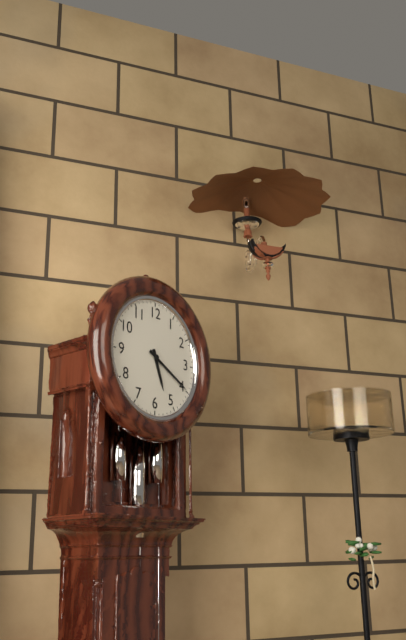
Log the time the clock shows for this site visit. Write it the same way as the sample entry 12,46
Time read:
5,20
